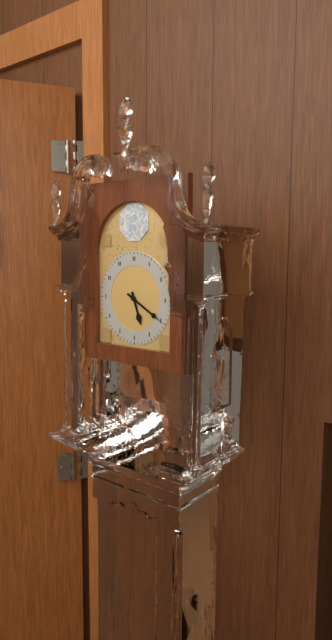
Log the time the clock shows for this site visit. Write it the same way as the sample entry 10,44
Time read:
5,20
